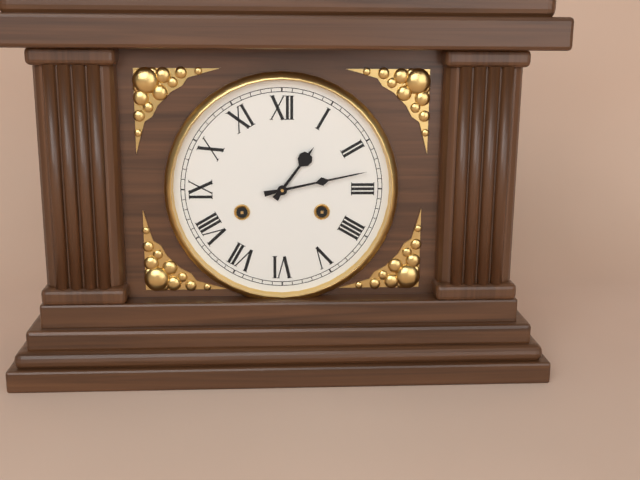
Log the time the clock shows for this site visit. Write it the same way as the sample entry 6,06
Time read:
1,13
